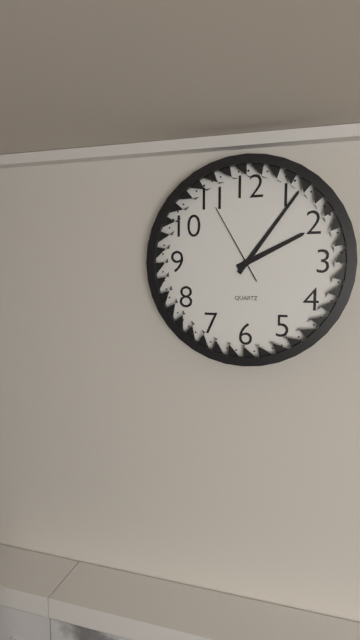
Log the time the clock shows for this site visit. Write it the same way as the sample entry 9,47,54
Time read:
2,06,55
